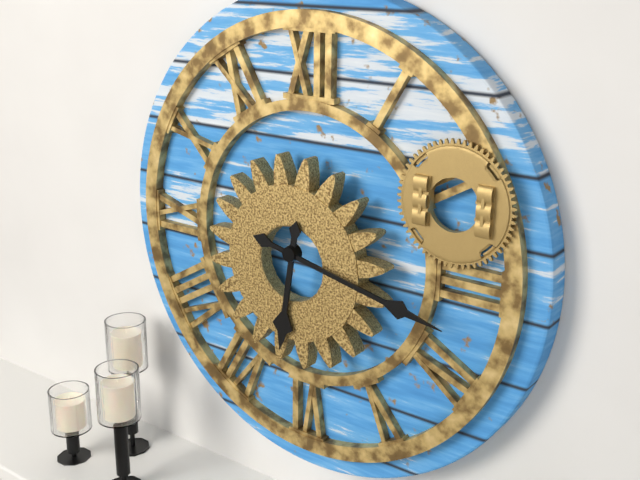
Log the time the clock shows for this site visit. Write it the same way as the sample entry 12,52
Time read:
6,17
